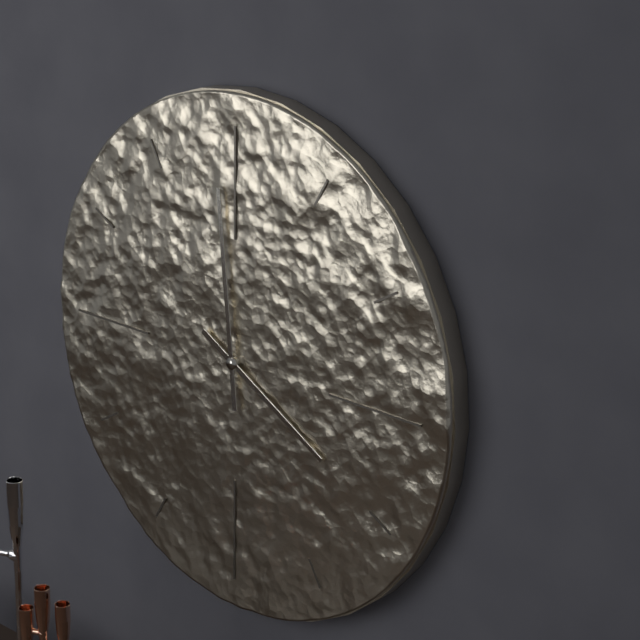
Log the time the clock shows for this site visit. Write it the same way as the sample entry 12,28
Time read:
3,59
